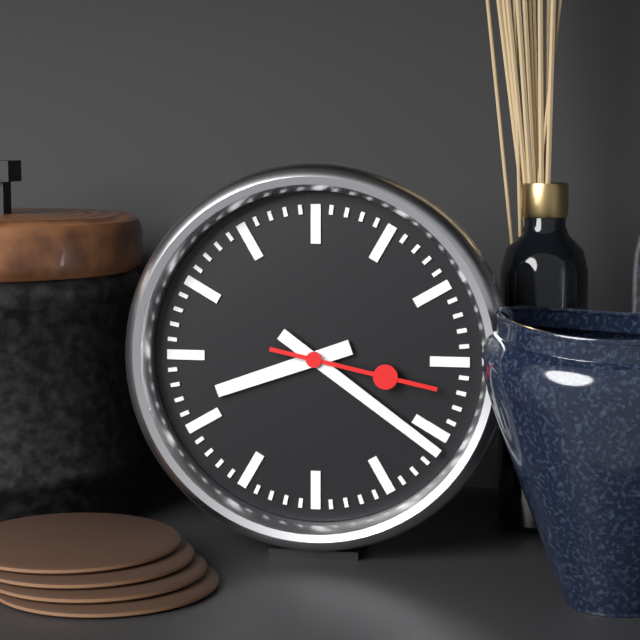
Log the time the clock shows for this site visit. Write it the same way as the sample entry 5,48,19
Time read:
8,21,17
